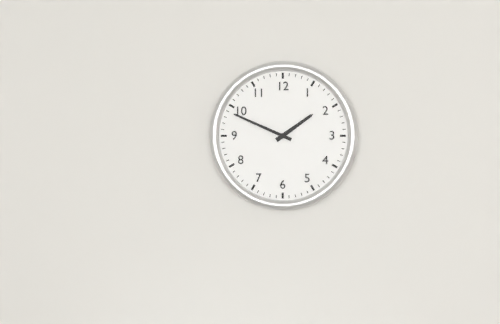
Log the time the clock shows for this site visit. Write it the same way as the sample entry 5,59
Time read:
1,49
